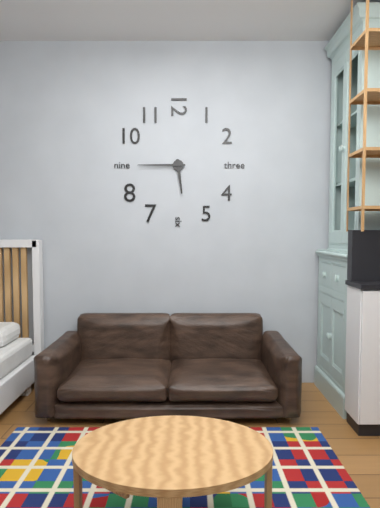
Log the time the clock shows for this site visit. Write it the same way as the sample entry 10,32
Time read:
5,45
